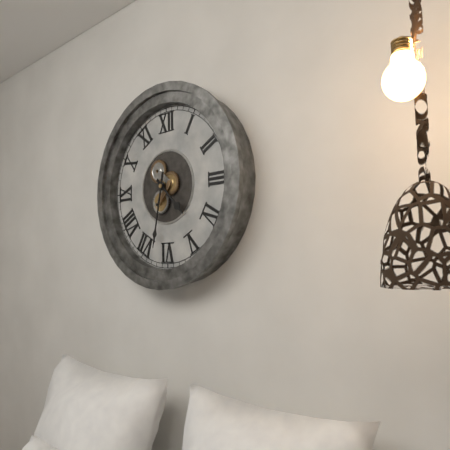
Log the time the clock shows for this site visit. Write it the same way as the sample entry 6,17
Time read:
4,32
